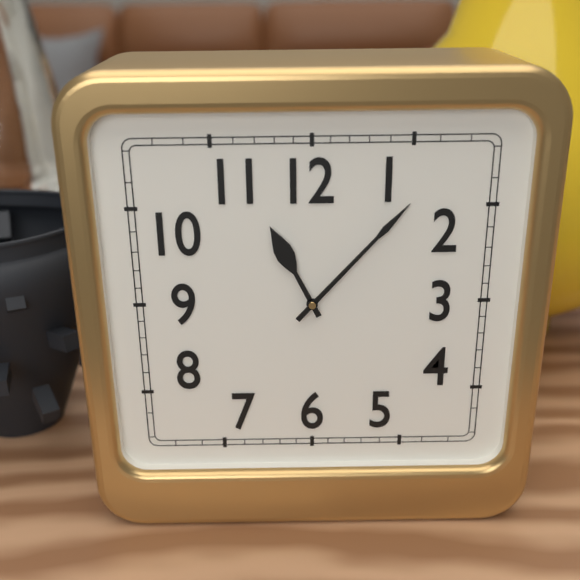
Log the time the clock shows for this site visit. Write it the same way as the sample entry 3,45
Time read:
11,07
